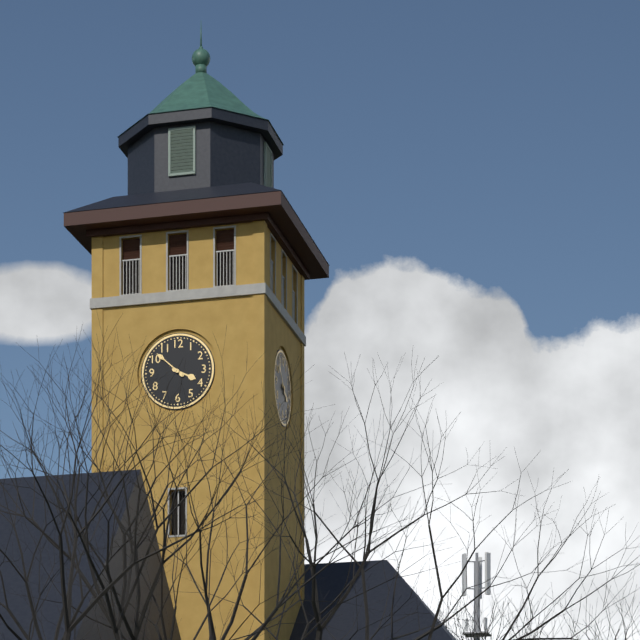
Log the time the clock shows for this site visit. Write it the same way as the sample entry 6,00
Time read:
3,52
